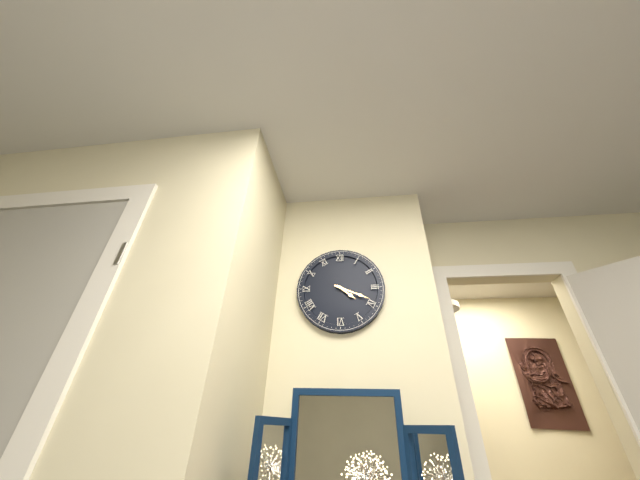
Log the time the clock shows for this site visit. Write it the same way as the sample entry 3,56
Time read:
4,19
